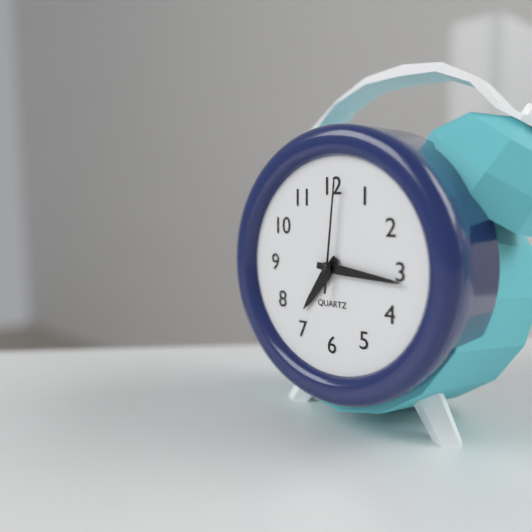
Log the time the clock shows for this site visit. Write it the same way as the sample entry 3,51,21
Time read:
7,16,01
